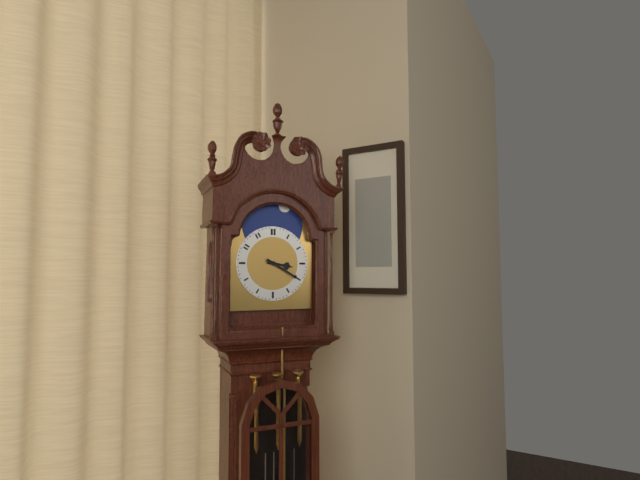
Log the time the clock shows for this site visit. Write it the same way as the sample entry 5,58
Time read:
3,20
